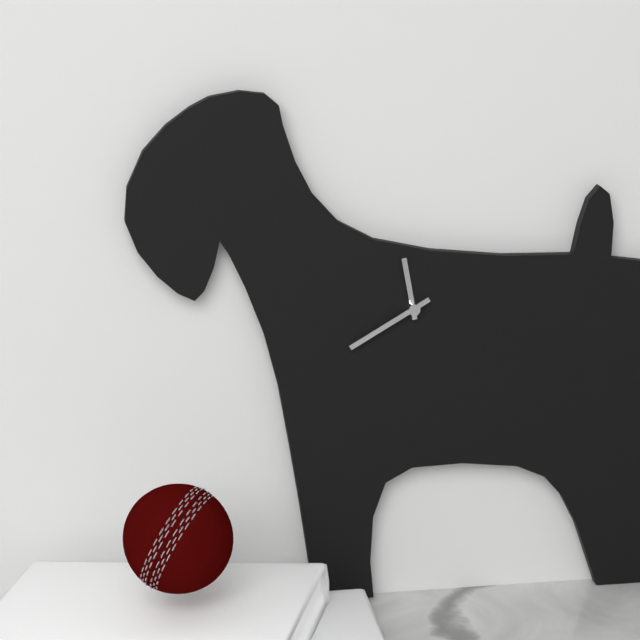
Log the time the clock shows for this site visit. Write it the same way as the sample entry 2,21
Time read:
11,40
